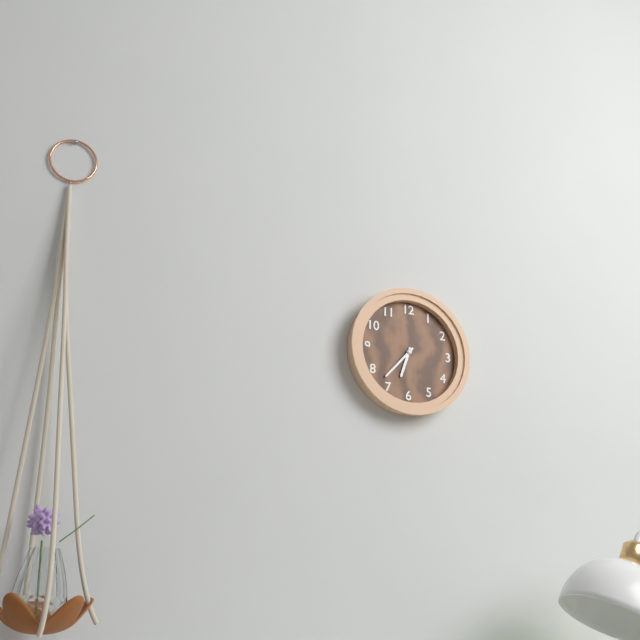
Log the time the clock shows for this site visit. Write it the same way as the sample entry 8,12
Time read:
6,37
